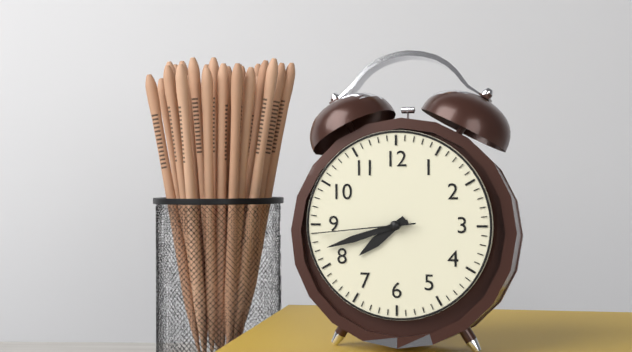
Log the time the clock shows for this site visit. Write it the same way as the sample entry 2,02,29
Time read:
7,42,44
